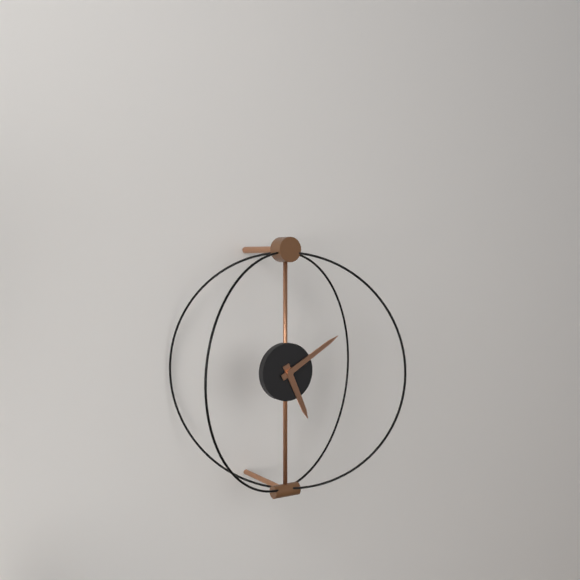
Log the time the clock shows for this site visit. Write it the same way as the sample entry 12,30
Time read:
5,10
